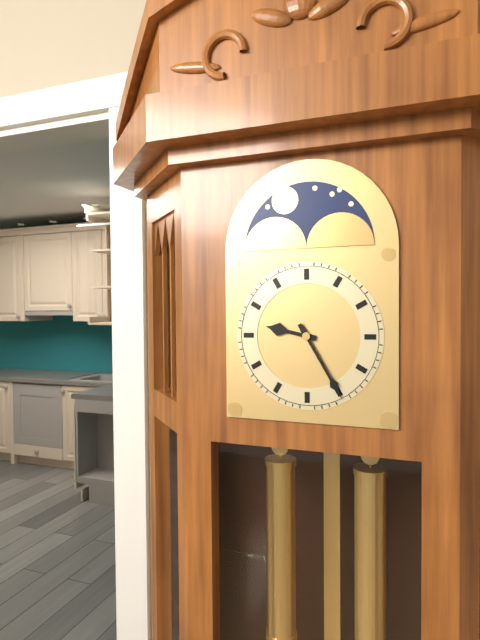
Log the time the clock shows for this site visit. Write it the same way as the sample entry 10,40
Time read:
9,25
